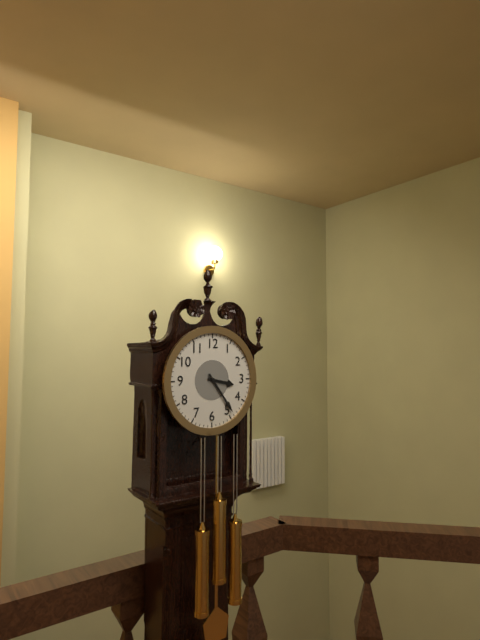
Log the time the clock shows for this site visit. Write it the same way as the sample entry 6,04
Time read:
3,24
